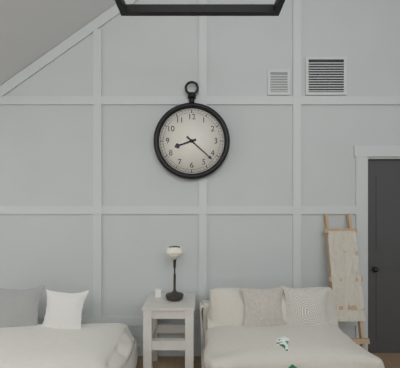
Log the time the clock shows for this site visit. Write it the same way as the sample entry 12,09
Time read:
8,22
